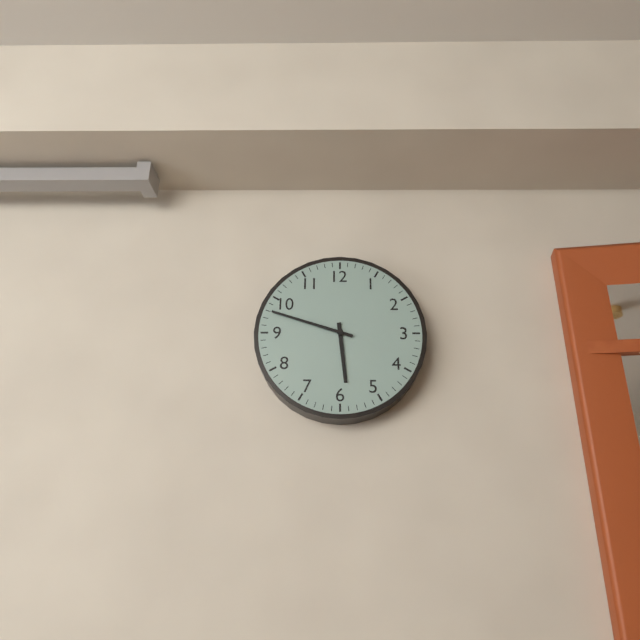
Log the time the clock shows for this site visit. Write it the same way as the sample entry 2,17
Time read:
5,48
